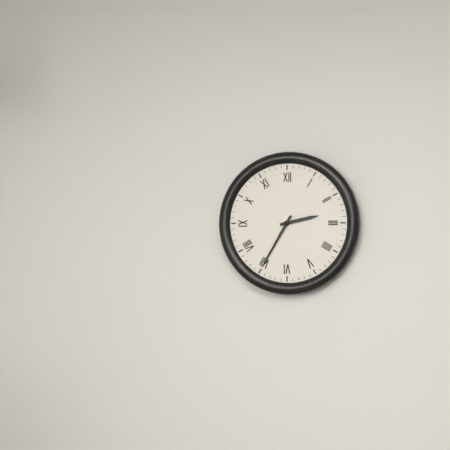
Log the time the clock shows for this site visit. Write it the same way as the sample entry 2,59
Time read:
2,35
